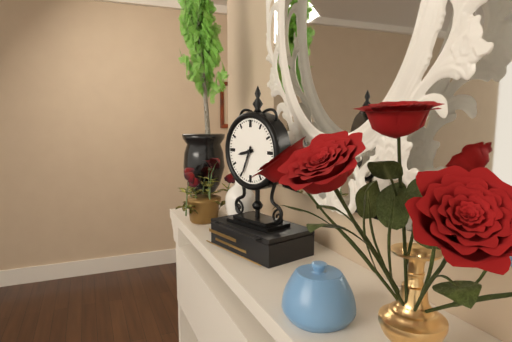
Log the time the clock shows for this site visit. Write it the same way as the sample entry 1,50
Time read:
8,34
